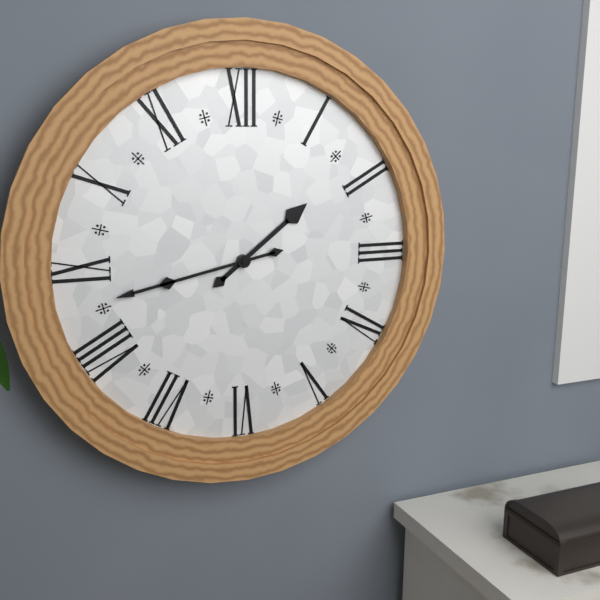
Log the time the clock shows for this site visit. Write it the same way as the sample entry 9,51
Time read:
1,43
